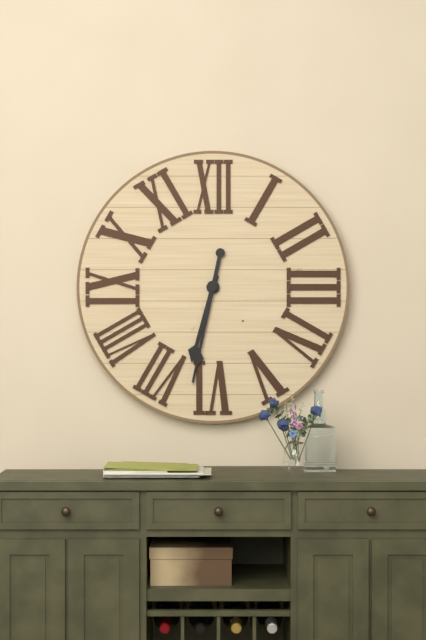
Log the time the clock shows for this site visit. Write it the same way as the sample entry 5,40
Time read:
6,32
